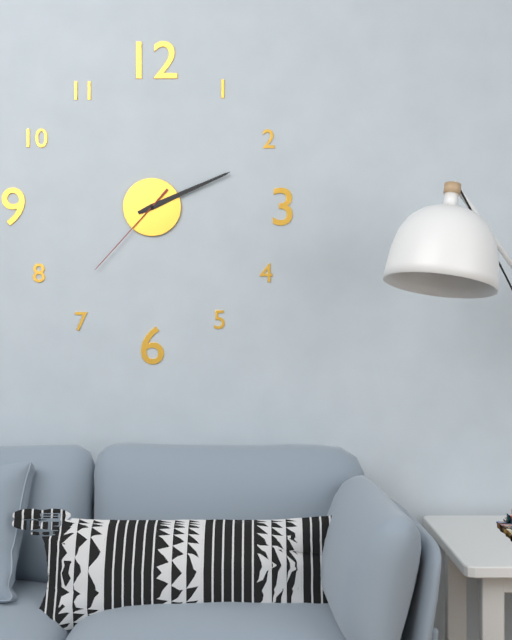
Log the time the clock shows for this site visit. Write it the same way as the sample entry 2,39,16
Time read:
2,11,37
